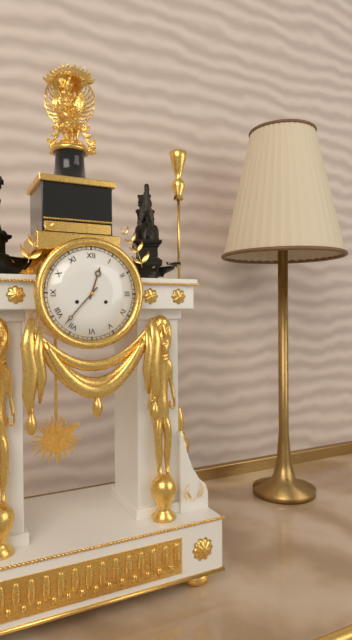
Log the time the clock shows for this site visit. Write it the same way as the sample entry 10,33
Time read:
12,37
